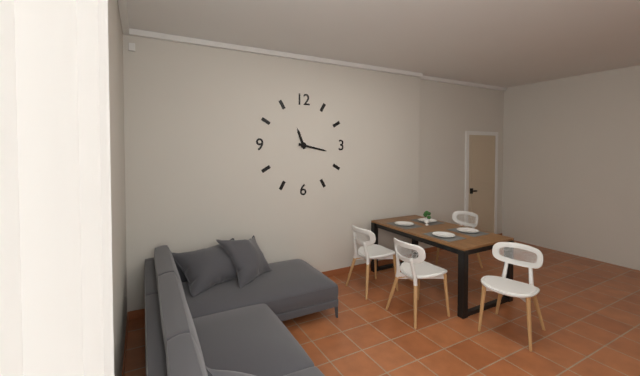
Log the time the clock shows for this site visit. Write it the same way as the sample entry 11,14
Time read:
11,17
